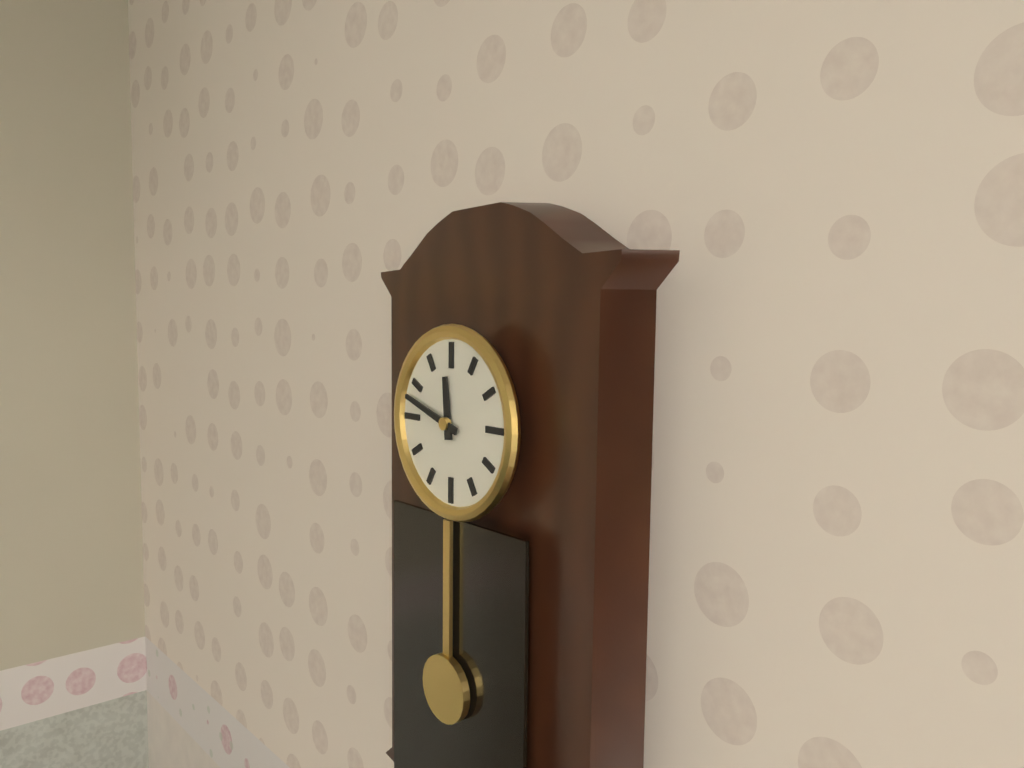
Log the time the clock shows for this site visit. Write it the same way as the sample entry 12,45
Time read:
11,48
